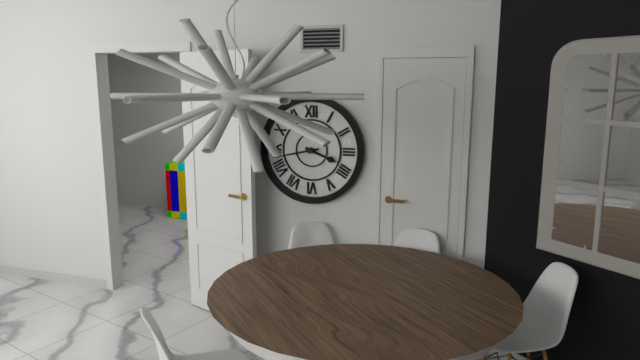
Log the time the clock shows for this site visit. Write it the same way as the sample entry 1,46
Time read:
3,43
